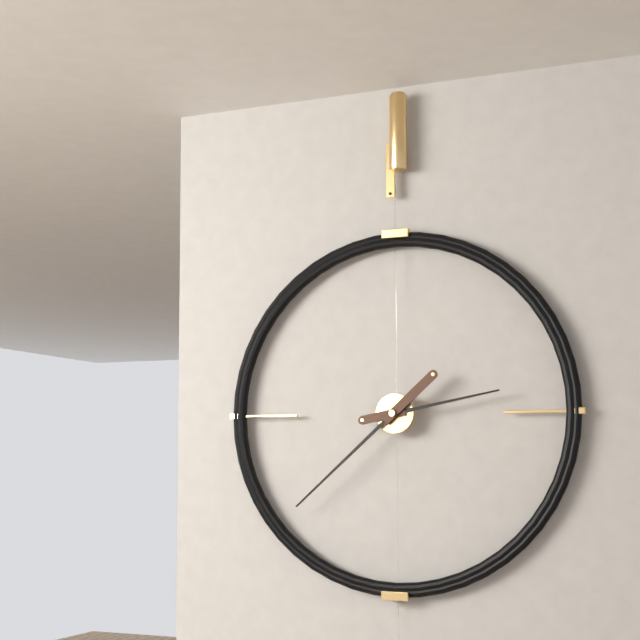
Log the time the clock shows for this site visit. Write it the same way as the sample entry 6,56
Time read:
2,38
